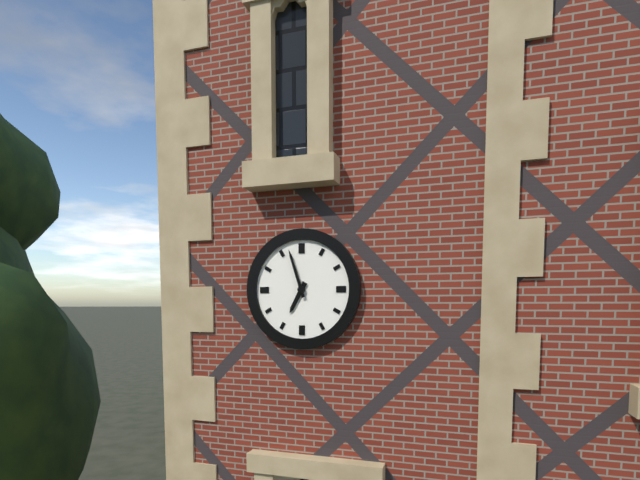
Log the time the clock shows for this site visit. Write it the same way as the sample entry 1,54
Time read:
6,57
